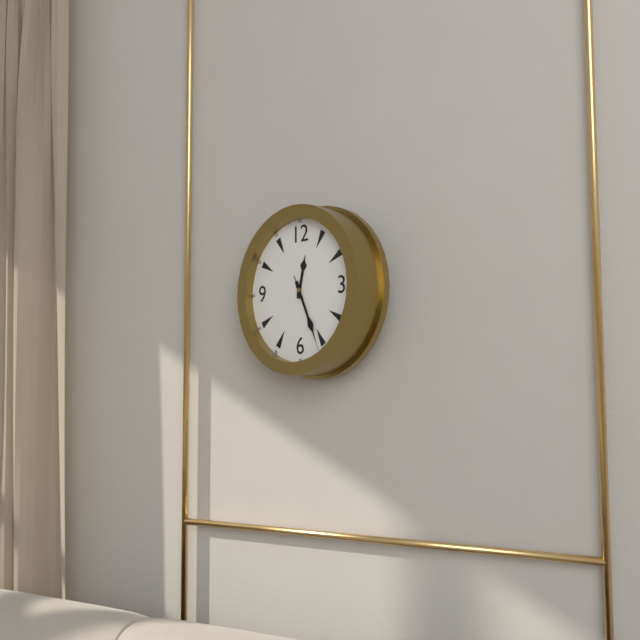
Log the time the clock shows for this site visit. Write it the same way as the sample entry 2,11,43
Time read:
12,26,26
